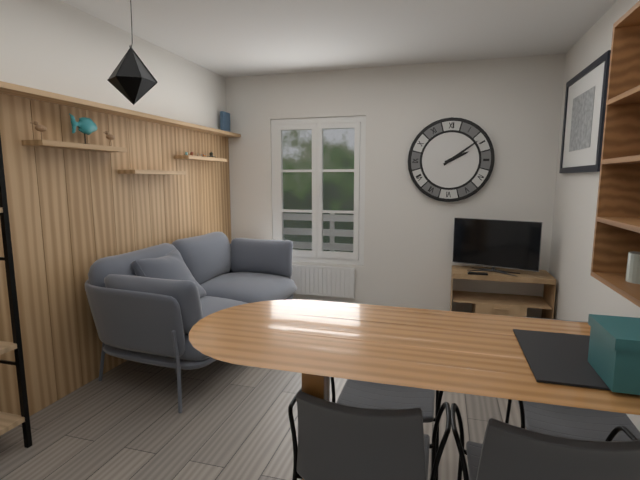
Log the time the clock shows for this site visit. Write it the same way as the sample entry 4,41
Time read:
2,09
